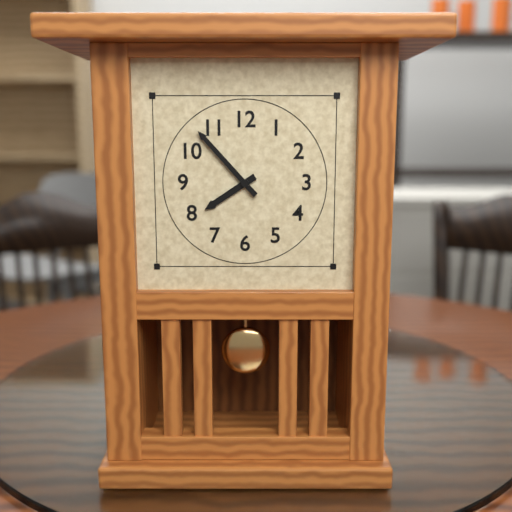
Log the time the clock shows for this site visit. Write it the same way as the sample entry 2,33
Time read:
7,53
